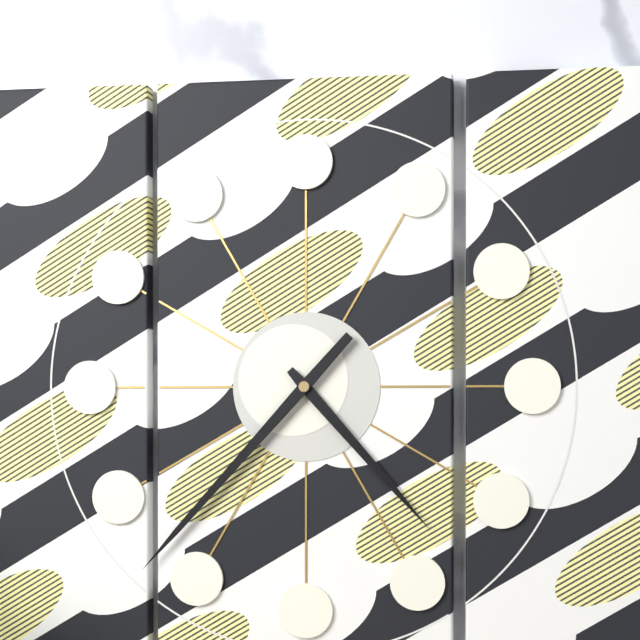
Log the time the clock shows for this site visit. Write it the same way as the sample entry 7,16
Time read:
4,37
